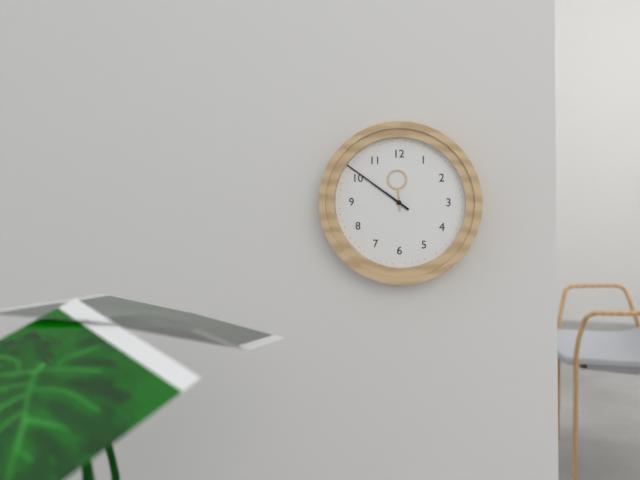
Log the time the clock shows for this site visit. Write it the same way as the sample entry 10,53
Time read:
11,51
